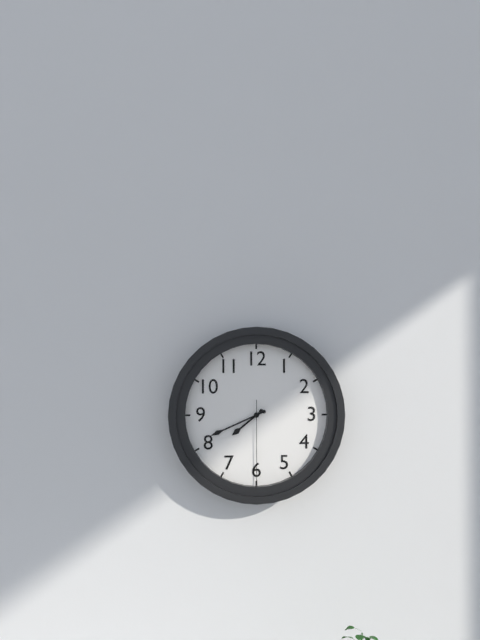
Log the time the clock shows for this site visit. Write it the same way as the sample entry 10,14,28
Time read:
7,41,30
